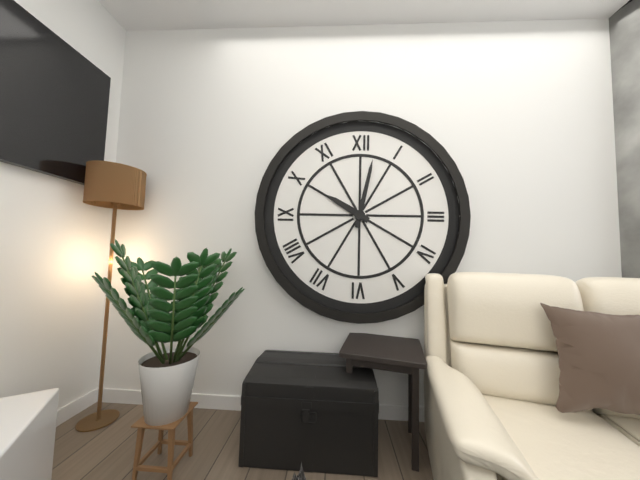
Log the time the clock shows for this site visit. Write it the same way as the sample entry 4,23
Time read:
10,02
